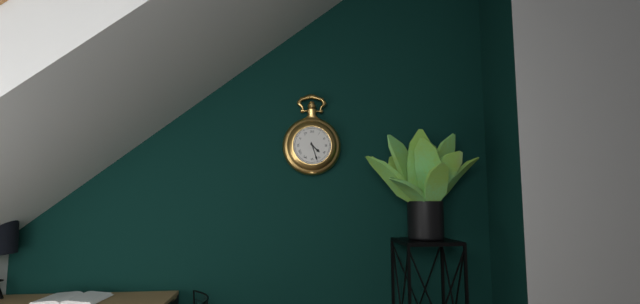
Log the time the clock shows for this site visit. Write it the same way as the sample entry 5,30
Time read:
4,27
